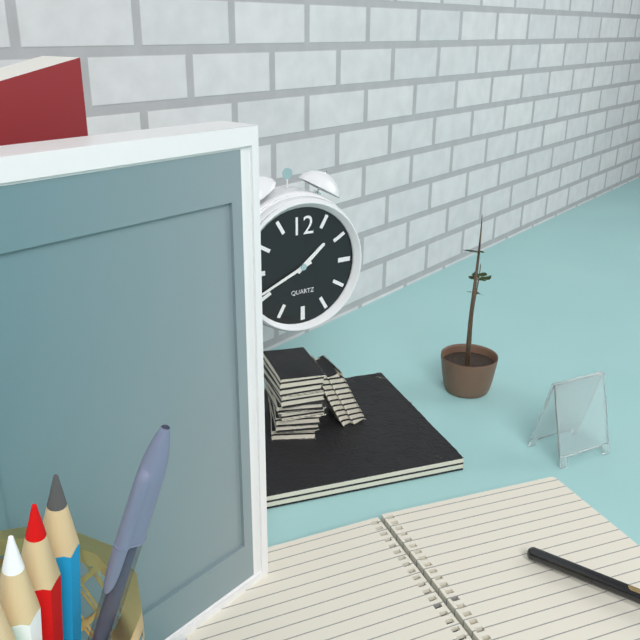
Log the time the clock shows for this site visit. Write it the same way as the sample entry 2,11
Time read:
1,41
